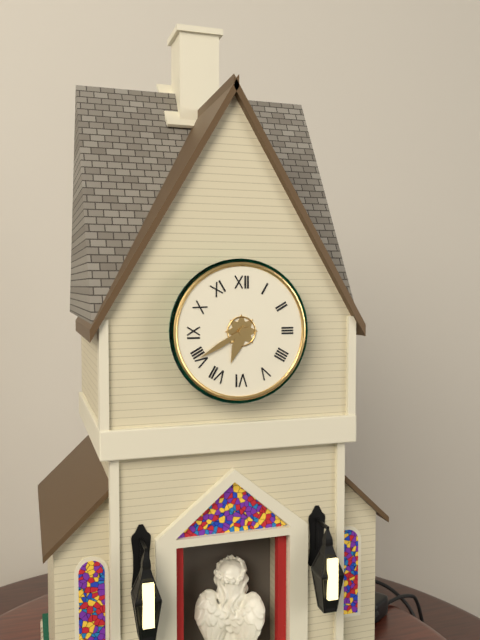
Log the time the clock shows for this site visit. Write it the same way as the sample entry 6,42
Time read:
6,40
